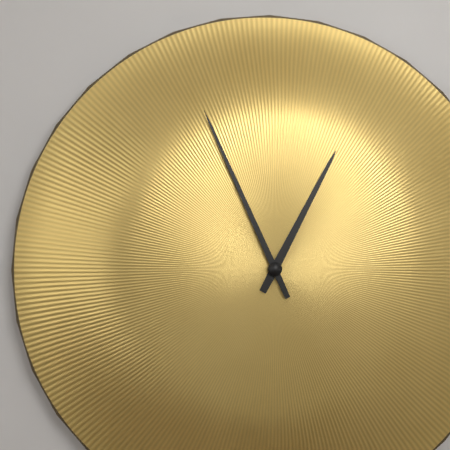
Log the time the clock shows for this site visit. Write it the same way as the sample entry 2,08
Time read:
12,56
